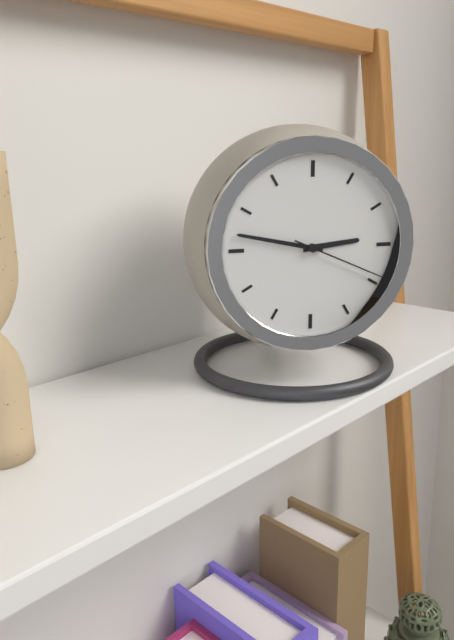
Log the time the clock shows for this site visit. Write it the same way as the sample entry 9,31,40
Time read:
2,47,19
